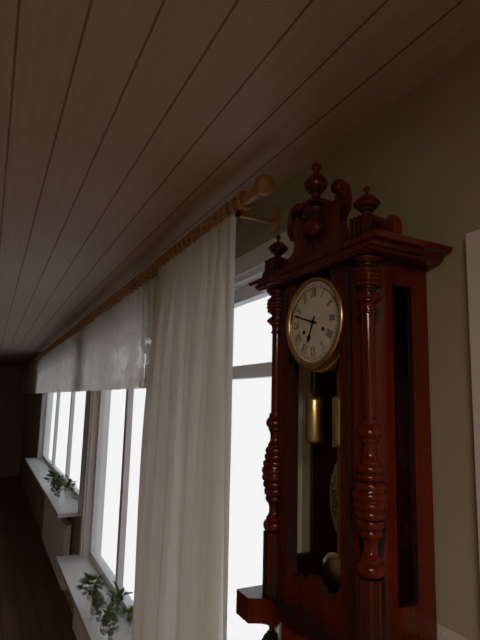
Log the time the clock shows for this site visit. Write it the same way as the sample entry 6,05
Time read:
6,48
